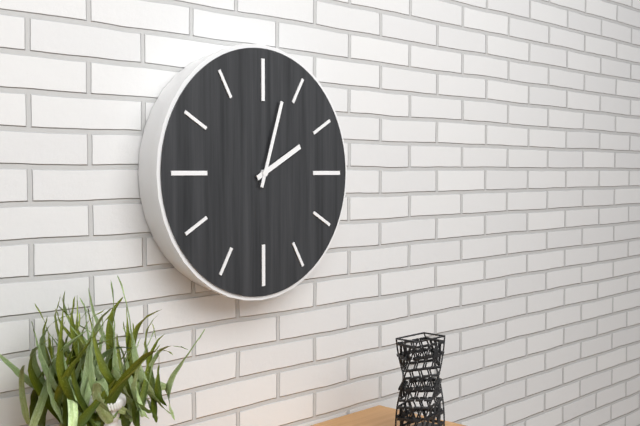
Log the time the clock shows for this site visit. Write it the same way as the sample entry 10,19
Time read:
2,03
